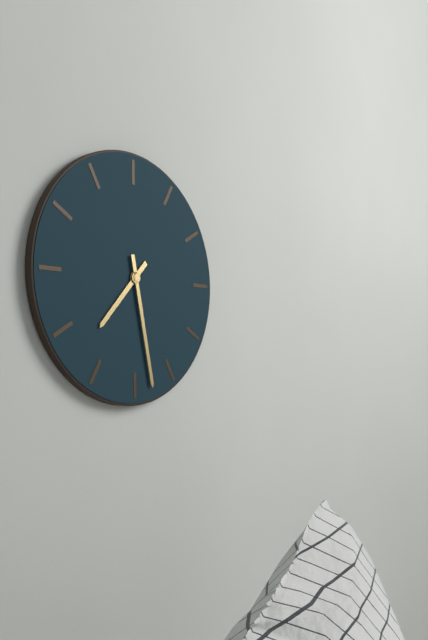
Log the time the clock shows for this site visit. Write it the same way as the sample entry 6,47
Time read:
7,28
